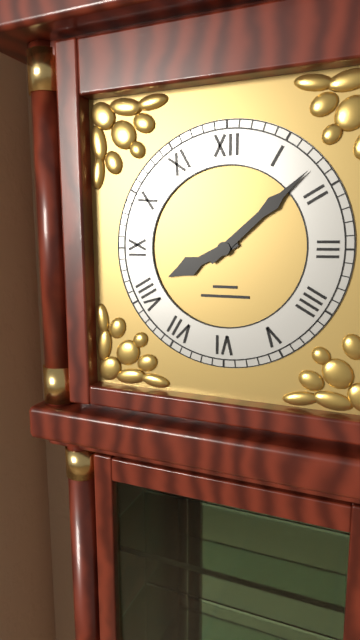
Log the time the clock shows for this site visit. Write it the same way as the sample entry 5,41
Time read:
8,08
